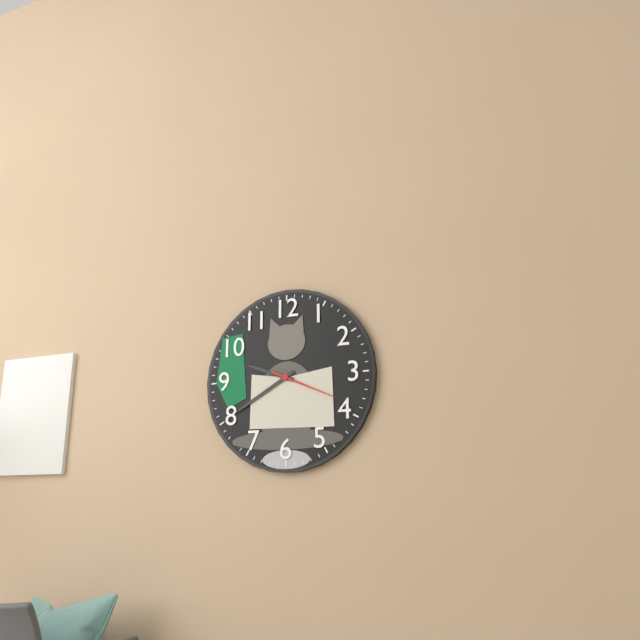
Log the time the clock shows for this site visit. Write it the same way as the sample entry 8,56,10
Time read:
9,40,19
